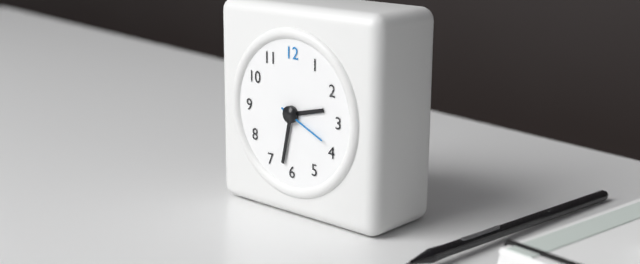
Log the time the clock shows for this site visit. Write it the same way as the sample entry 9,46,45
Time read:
2,32,19
